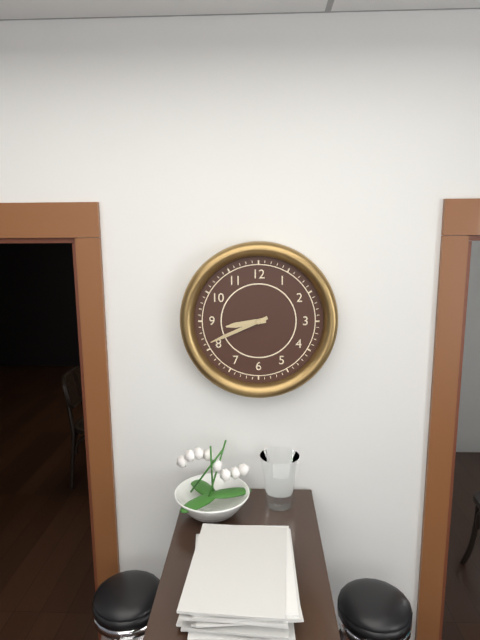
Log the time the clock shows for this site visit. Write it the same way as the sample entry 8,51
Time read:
8,41
